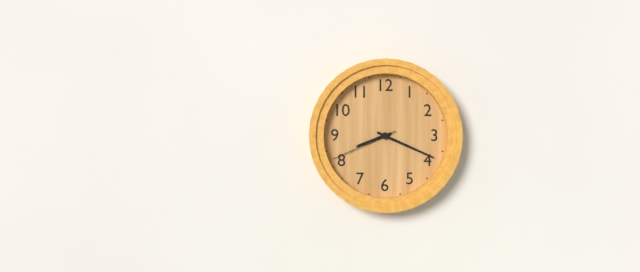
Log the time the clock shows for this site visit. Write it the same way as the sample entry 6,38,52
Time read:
8,19,41
